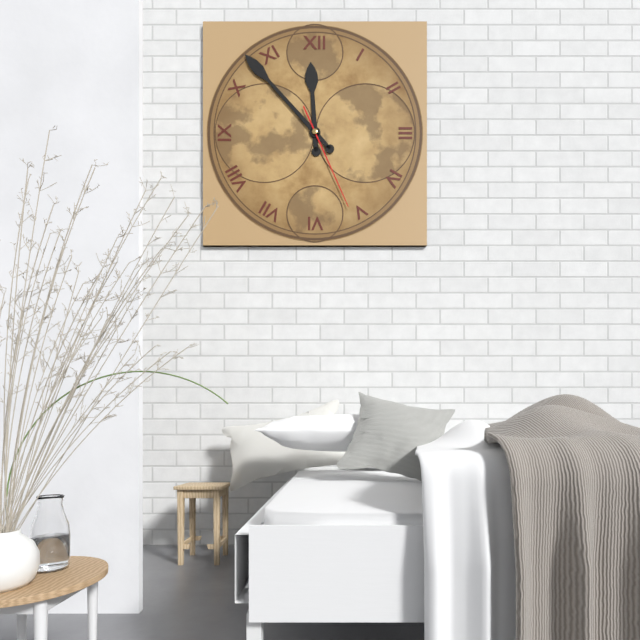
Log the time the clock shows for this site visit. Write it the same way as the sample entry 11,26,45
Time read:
11,53,26
